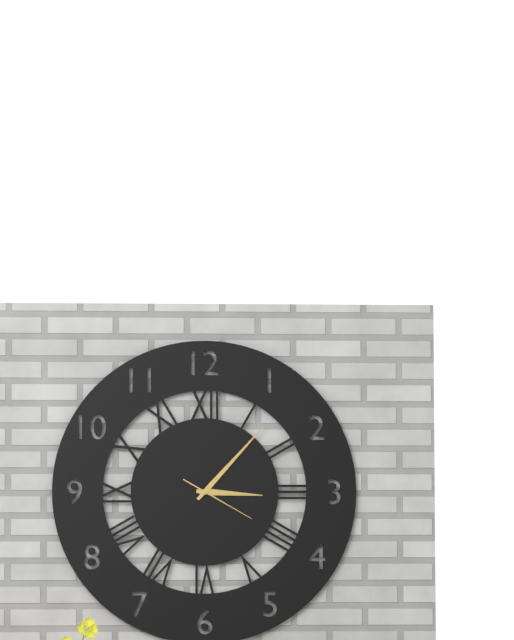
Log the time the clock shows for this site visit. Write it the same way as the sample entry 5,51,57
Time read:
3,07,20
